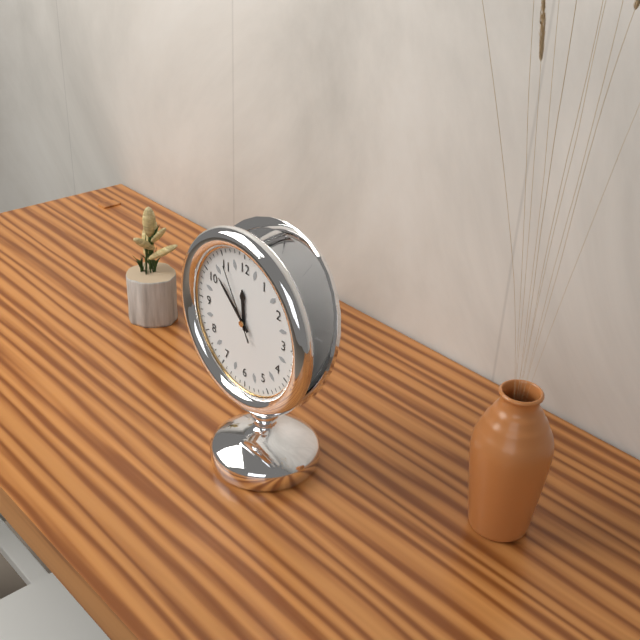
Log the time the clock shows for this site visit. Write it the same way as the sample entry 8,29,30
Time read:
11,52,55
